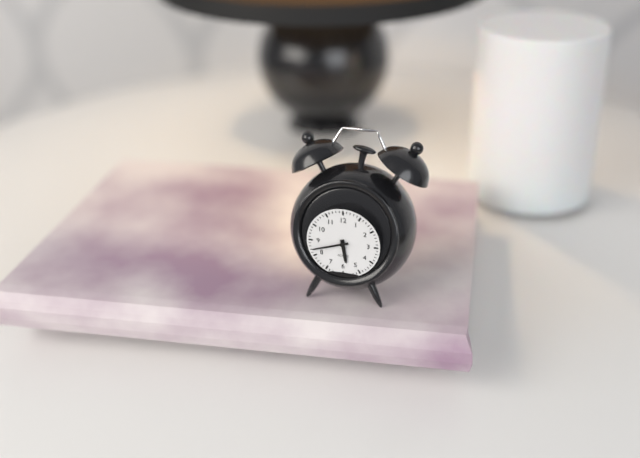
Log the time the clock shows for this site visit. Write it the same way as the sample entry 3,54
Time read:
5,42
